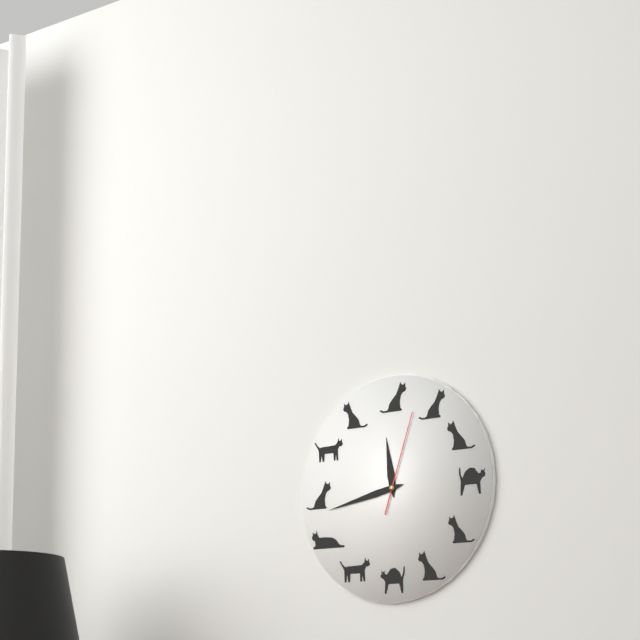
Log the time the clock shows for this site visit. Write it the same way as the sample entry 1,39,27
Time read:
11,43,03
